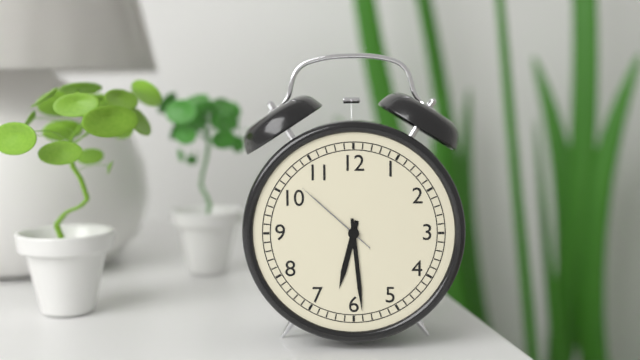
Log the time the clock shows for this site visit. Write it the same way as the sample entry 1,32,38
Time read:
6,29,52
